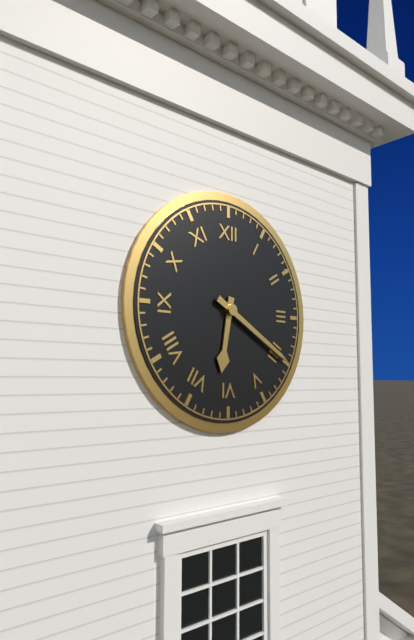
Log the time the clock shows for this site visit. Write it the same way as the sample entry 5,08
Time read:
6,20
